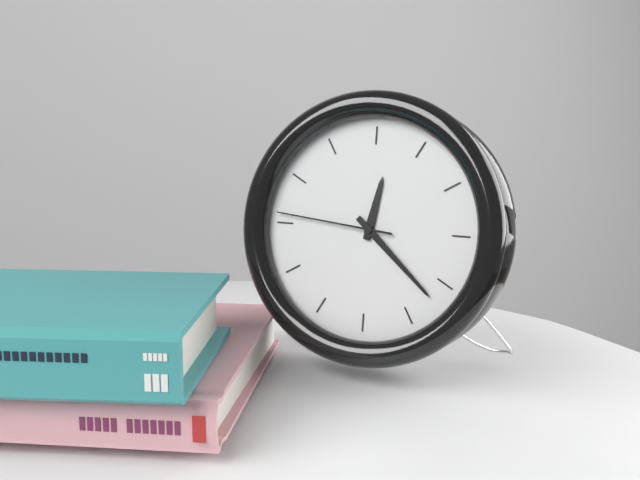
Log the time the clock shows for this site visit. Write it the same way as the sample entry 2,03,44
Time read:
12,22,46
